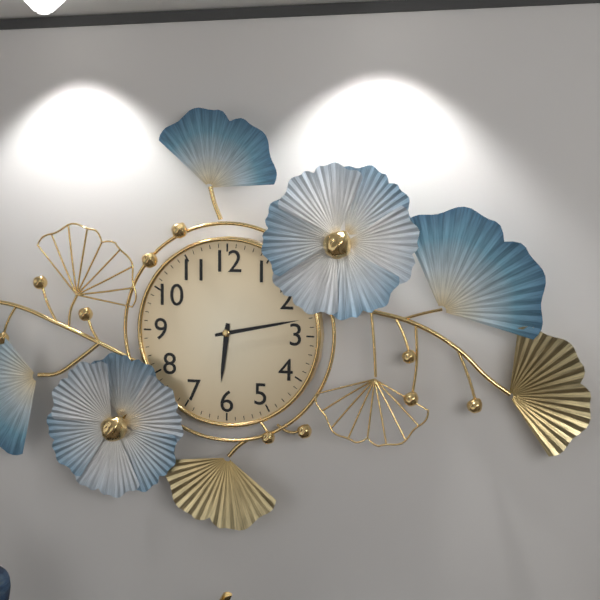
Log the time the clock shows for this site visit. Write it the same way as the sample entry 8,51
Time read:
6,13
